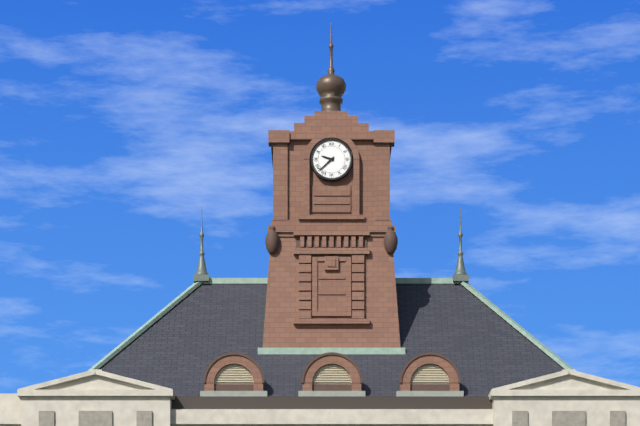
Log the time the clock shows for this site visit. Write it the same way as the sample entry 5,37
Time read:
9,38
